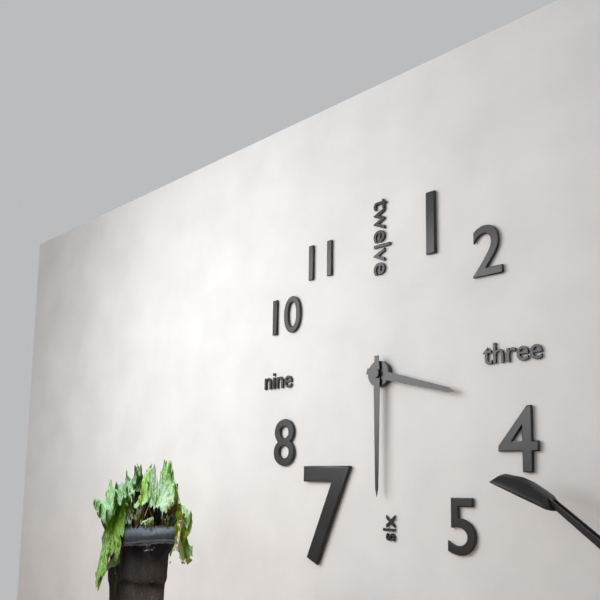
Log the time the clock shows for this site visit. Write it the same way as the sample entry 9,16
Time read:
3,30
